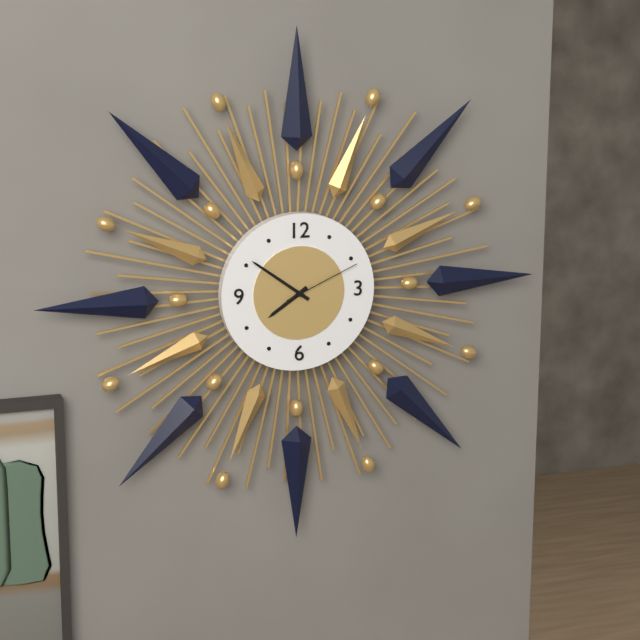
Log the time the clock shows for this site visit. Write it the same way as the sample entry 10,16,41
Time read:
7,51,11
